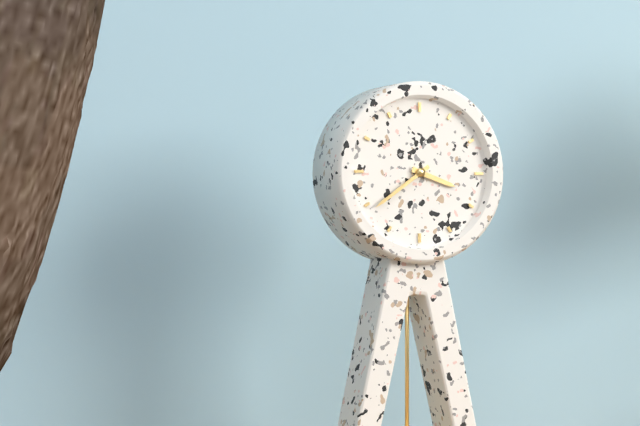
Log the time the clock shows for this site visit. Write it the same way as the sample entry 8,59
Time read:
3,39
